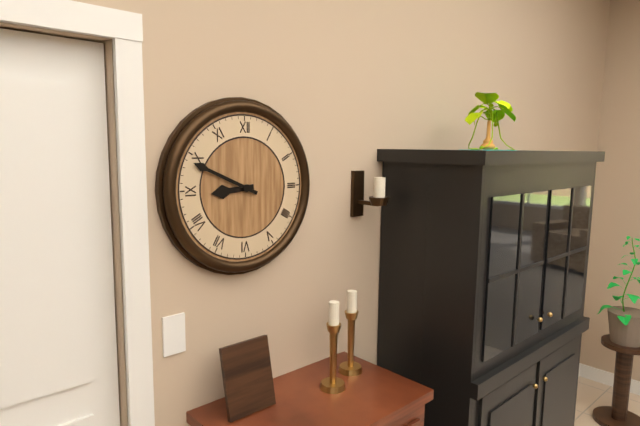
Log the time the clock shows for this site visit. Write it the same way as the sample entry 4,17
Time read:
8,49
